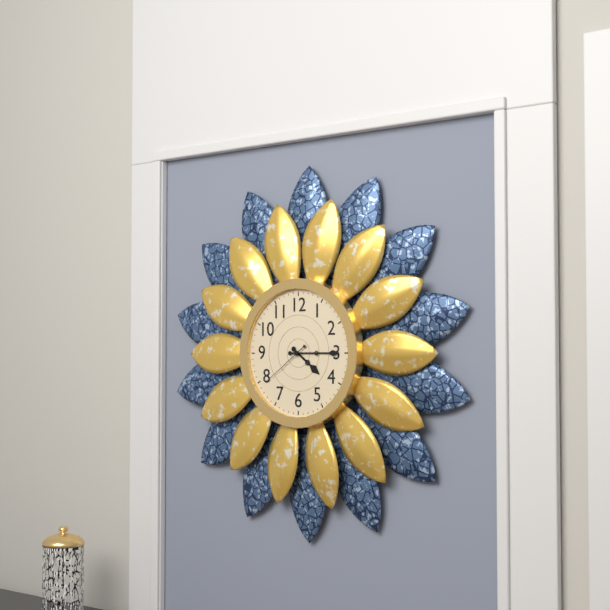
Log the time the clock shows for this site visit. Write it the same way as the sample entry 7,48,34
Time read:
4,15,39
